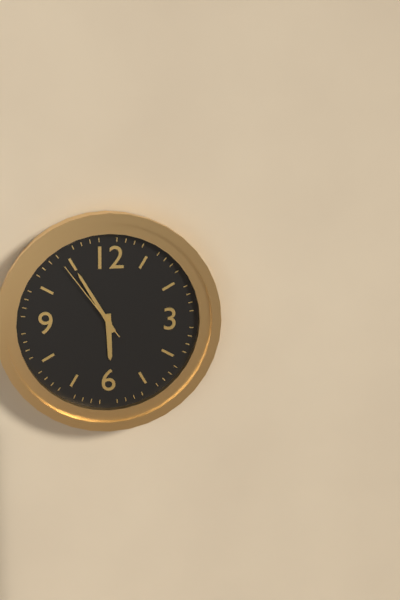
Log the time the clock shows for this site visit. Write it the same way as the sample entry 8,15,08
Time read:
5,55,54
